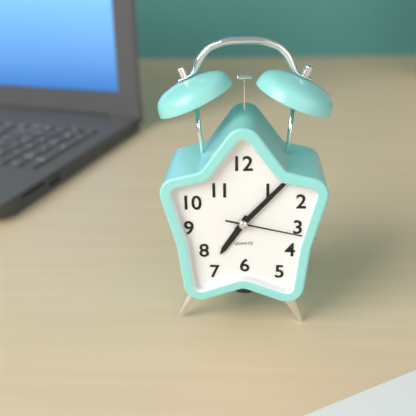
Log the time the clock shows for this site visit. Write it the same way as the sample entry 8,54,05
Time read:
7,07,17
